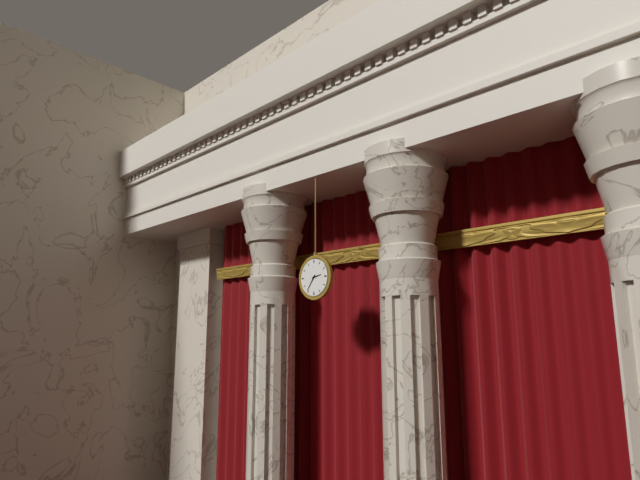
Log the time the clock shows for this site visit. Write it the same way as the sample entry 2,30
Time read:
2,36
